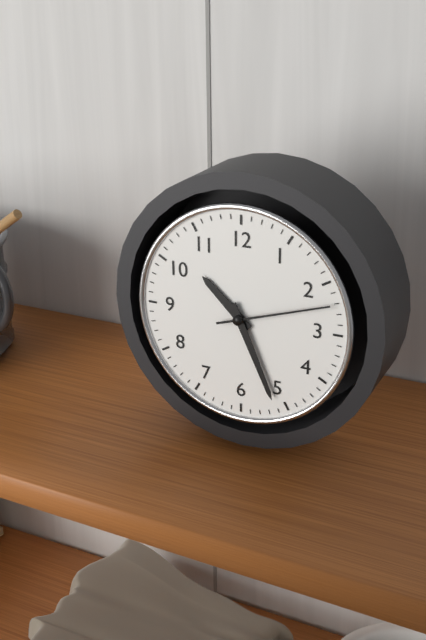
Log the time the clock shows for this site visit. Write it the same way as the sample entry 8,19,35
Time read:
10,26,12
